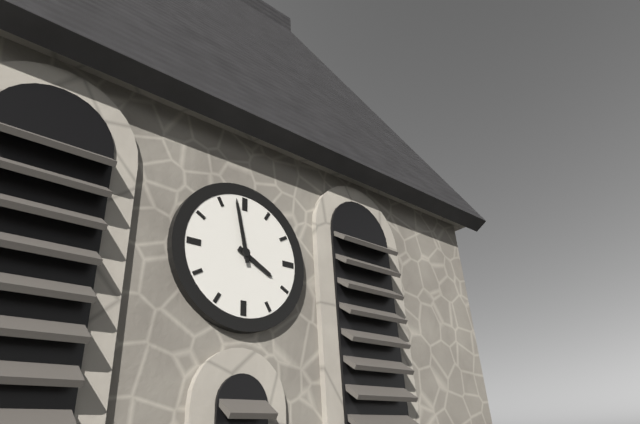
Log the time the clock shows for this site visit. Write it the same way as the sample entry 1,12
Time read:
3,58
